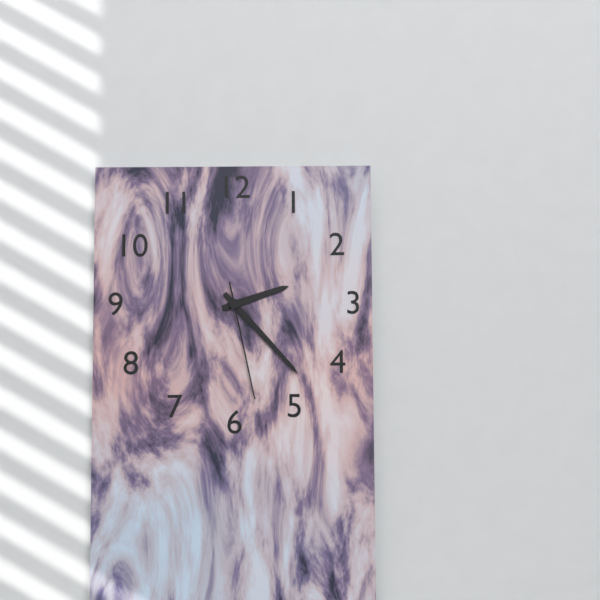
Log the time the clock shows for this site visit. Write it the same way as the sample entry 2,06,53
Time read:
2,23,28
